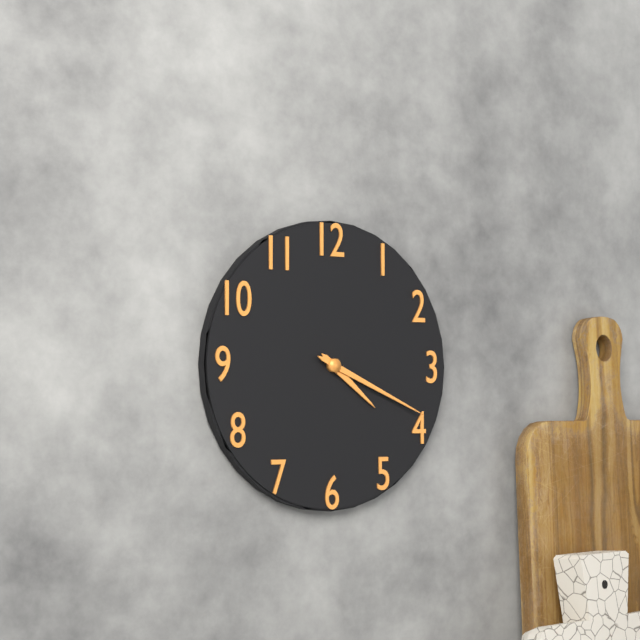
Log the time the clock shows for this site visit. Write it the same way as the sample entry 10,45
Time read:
4,19
